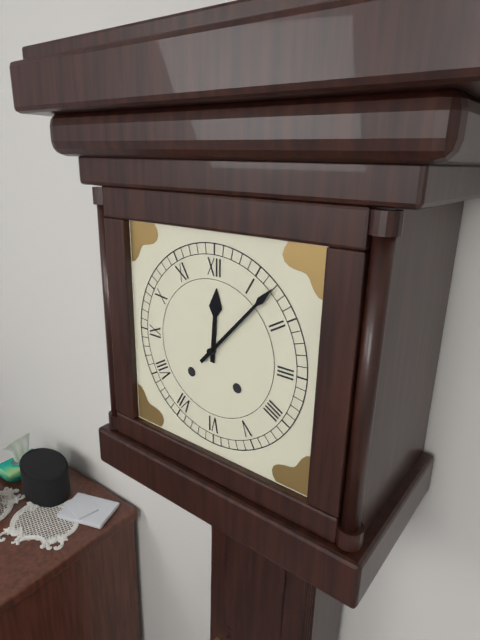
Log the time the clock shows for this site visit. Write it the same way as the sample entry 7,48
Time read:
12,07
